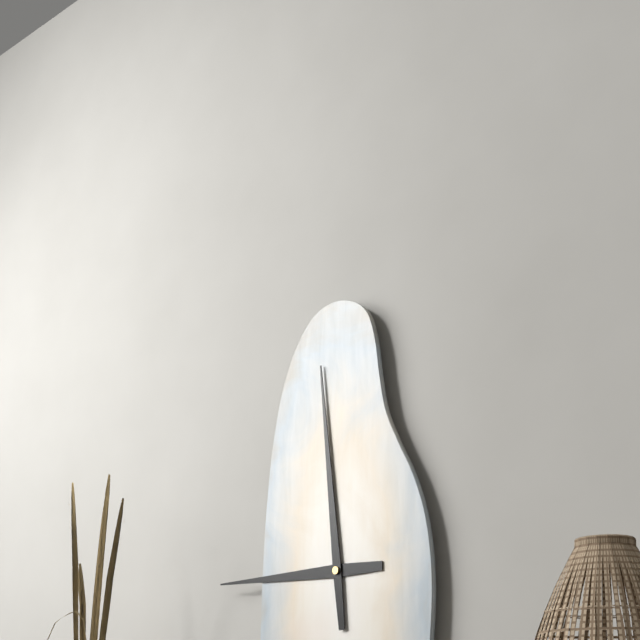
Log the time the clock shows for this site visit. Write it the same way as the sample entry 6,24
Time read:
8,59
